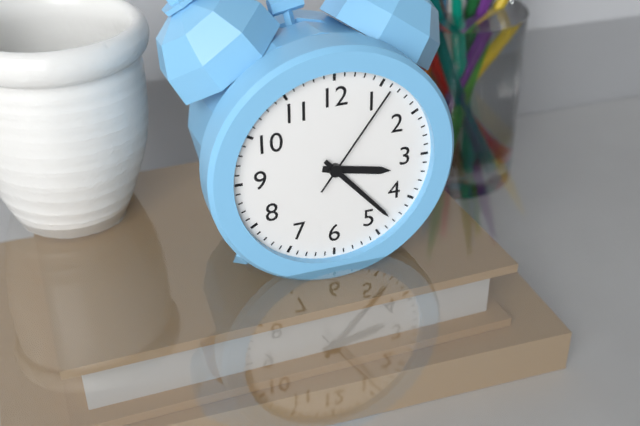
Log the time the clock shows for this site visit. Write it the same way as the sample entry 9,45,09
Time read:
3,23,06
